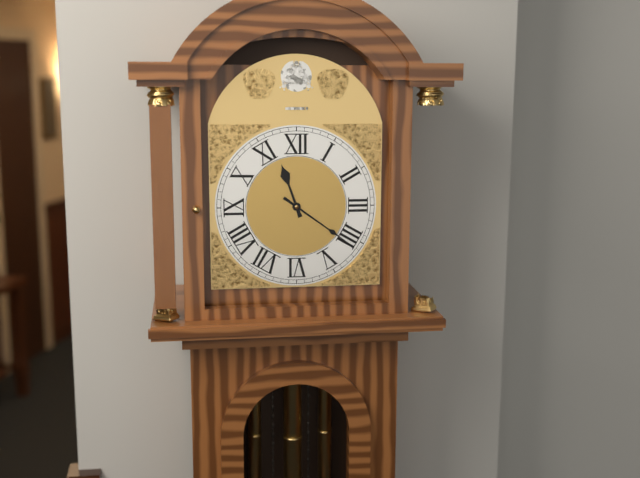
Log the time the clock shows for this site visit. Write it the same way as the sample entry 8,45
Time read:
11,21
